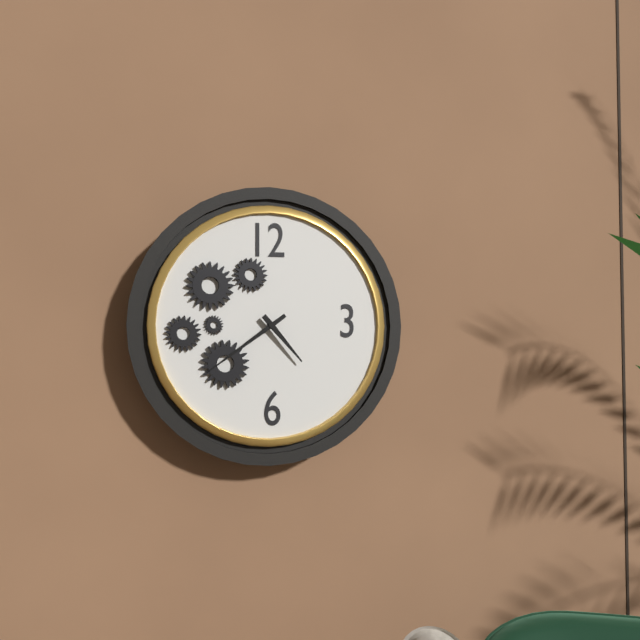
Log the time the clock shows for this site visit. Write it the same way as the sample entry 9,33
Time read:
4,39
